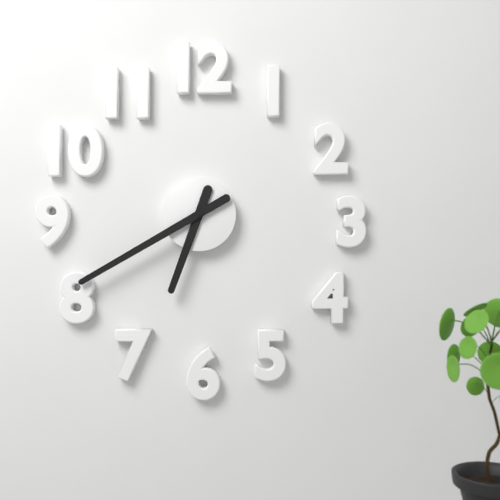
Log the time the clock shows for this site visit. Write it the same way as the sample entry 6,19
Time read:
6,40
